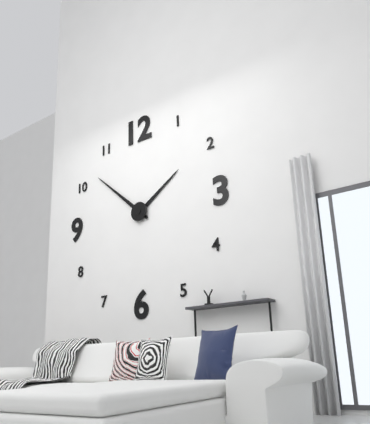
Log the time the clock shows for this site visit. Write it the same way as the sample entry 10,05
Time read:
1,52
